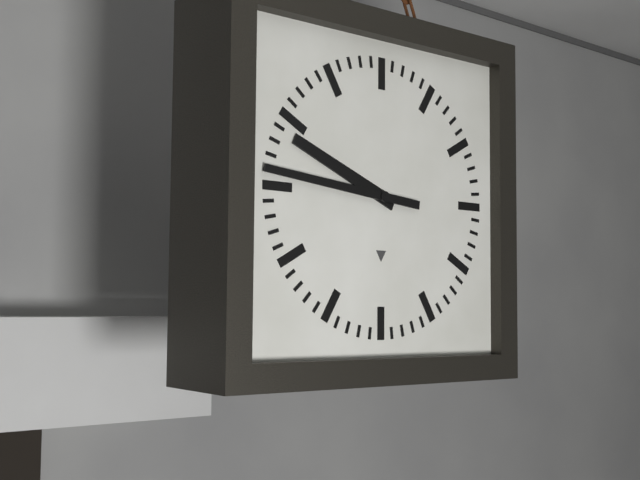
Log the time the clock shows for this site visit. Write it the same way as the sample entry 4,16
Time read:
9,46
